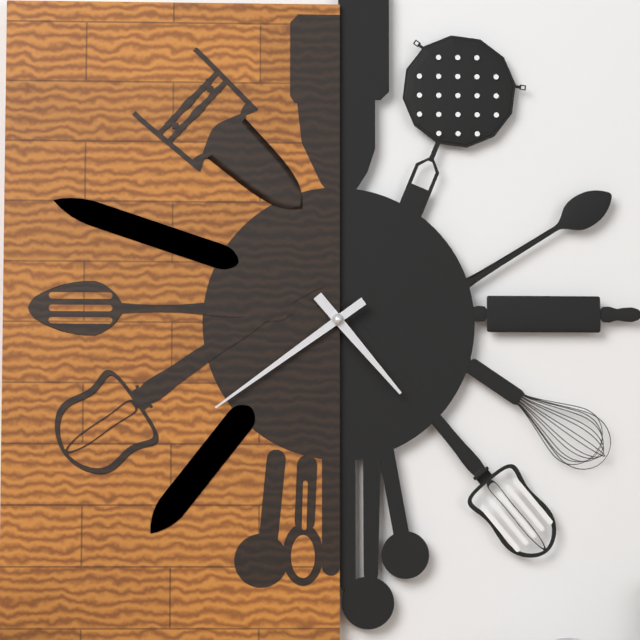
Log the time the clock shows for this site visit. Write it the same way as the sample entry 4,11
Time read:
4,39
